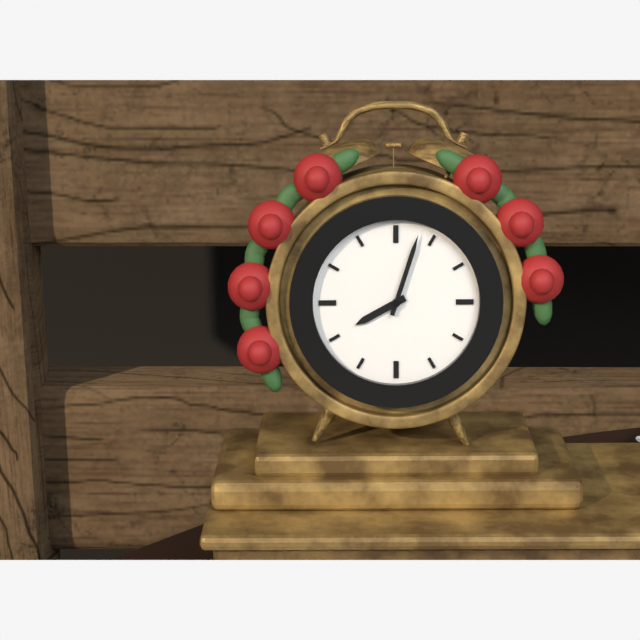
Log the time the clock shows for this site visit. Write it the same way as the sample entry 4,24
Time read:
8,03
